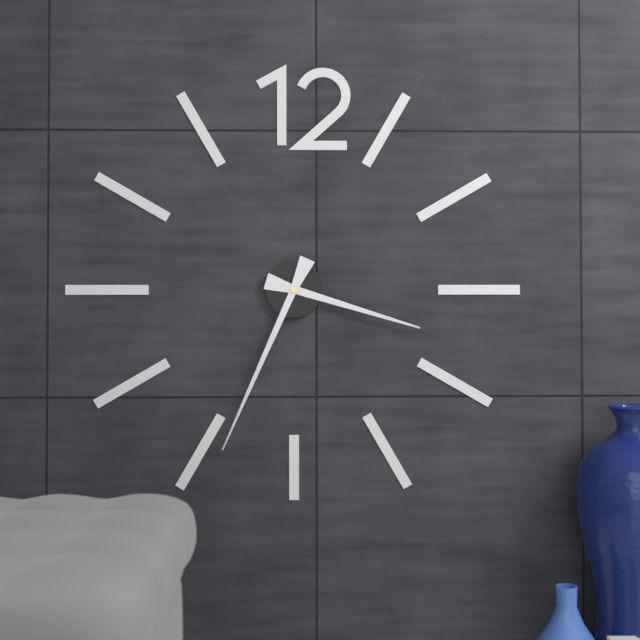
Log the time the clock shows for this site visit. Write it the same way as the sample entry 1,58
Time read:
3,34
